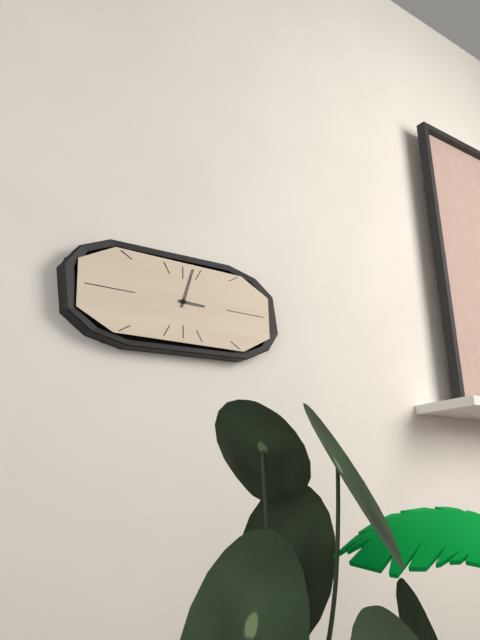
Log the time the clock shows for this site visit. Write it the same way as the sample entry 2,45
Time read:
3,03
